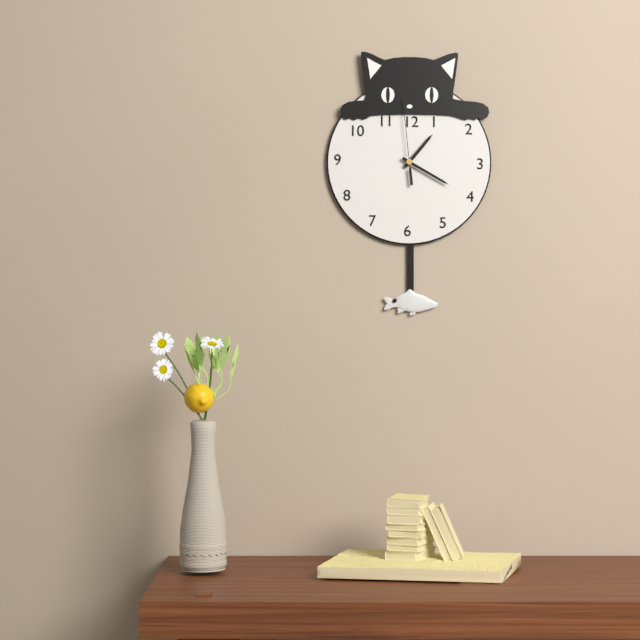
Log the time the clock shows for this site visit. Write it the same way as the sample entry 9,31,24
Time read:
1,20,59
